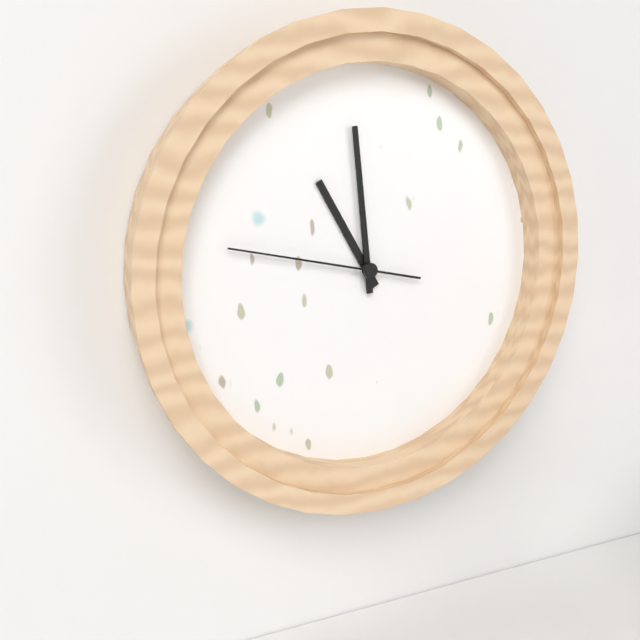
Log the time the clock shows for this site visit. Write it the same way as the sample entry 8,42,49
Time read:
10,59,47
